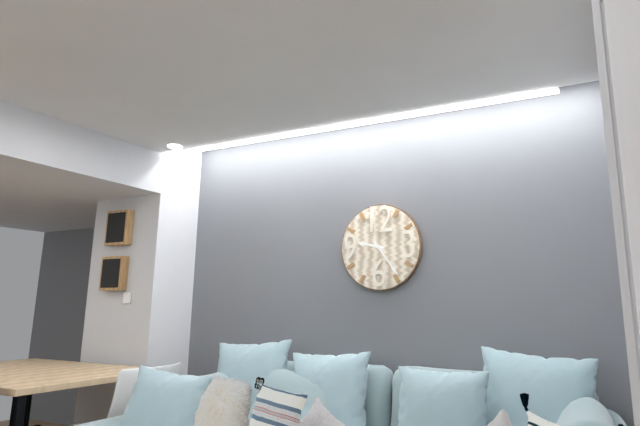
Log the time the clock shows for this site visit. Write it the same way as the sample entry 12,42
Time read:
9,24
